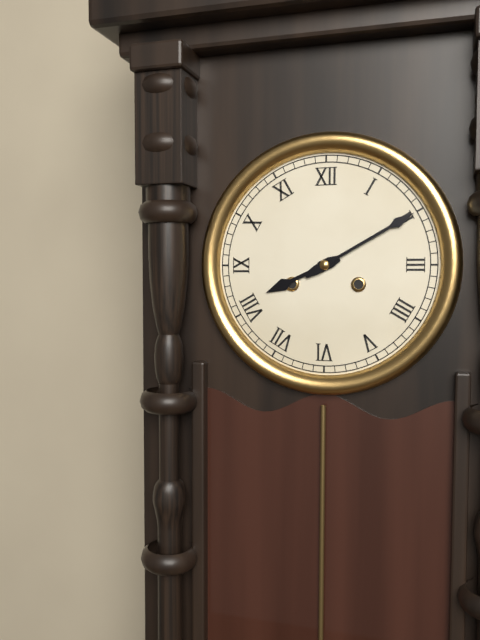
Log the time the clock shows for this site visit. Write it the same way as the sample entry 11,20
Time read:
8,10
